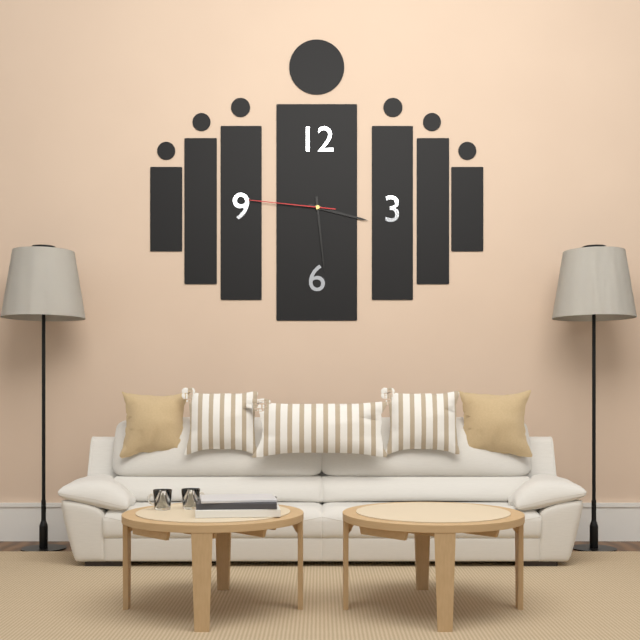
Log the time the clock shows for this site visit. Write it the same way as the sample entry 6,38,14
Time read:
3,29,46
